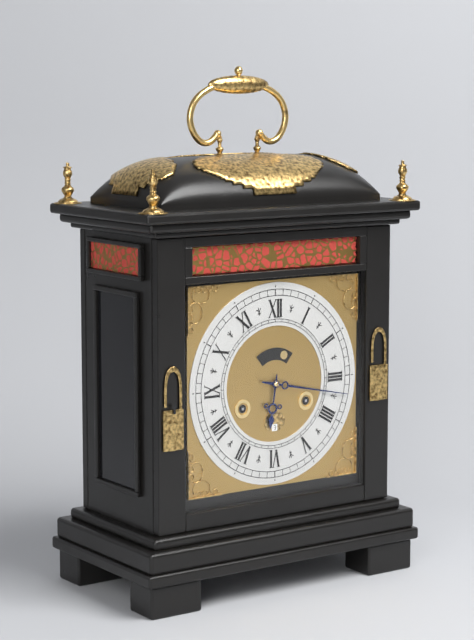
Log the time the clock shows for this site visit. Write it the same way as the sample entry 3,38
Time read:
6,17
